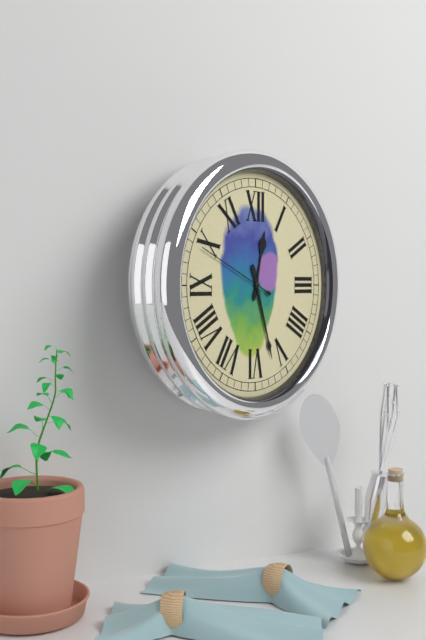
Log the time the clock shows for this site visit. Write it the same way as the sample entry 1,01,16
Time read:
12,27,49
